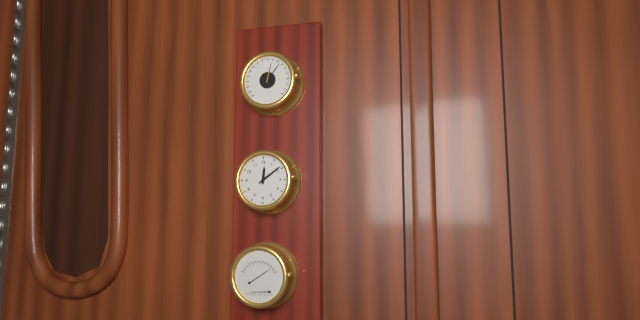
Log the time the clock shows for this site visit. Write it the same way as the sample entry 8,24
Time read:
12,09
